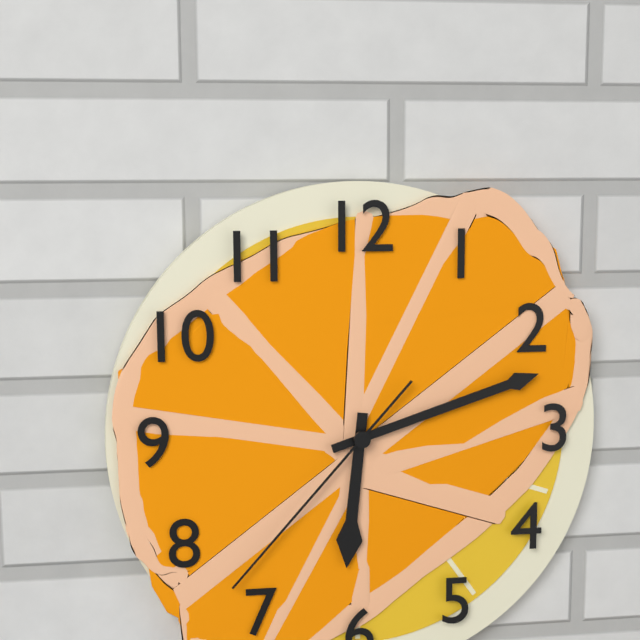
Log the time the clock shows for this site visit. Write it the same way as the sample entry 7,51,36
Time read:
6,12,37
